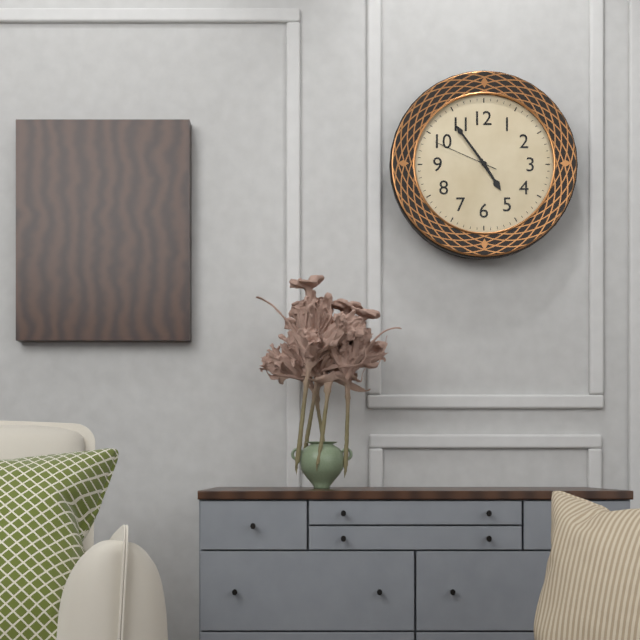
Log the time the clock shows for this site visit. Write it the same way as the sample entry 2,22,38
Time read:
4,54,49
